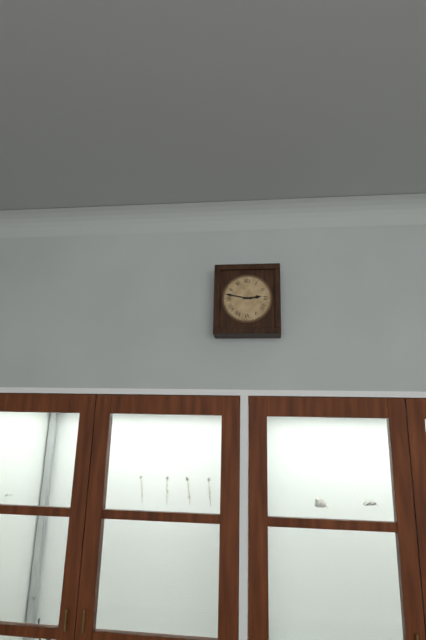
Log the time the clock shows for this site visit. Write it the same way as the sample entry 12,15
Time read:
2,47
